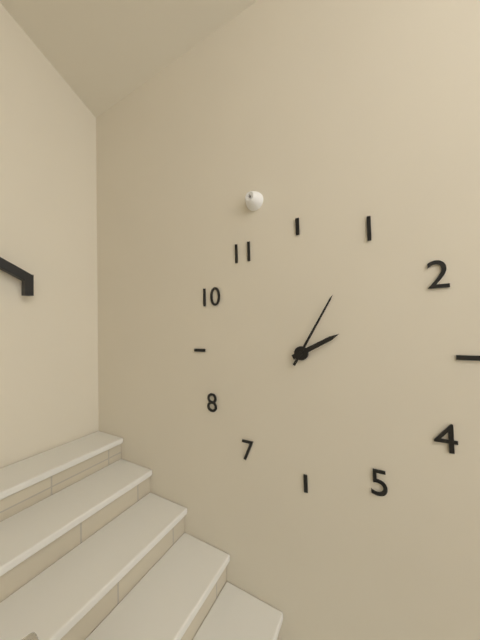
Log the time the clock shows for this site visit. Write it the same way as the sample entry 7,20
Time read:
2,05
